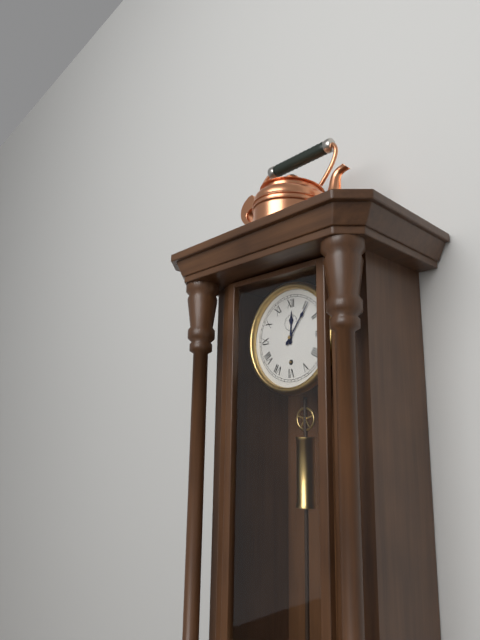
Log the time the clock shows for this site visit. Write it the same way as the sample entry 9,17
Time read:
12,06
